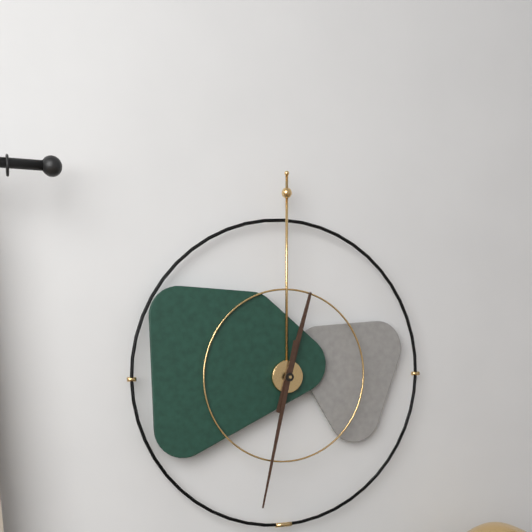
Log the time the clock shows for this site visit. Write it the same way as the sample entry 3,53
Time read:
12,32
